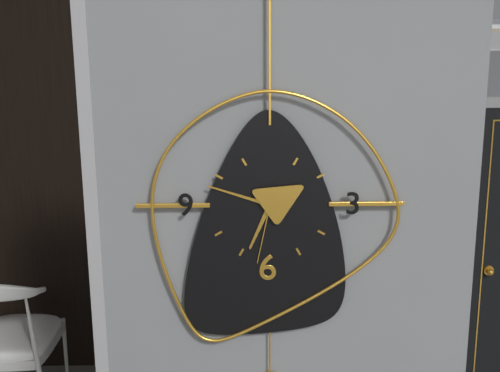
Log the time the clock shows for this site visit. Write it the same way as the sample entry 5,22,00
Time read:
6,48,32
